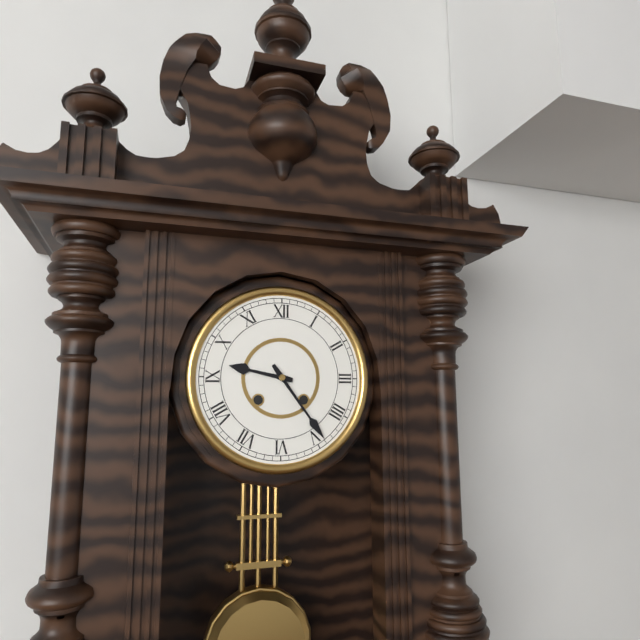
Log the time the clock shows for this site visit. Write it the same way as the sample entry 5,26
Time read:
9,24
